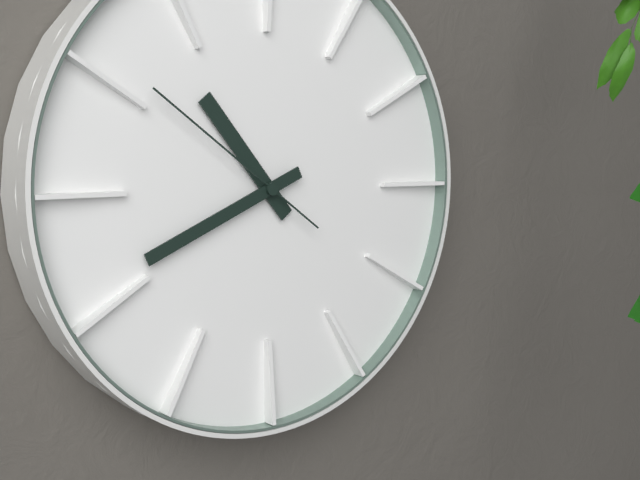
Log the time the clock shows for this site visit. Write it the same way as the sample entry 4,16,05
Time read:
10,41,51
